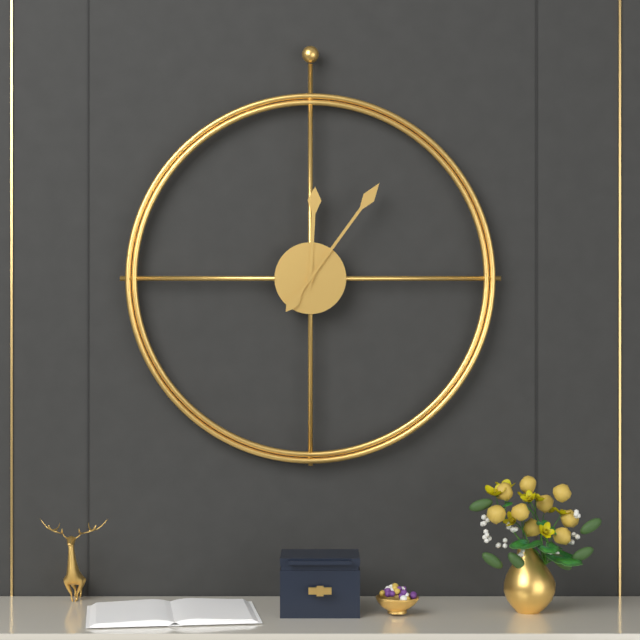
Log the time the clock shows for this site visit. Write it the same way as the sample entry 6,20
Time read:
12,06
